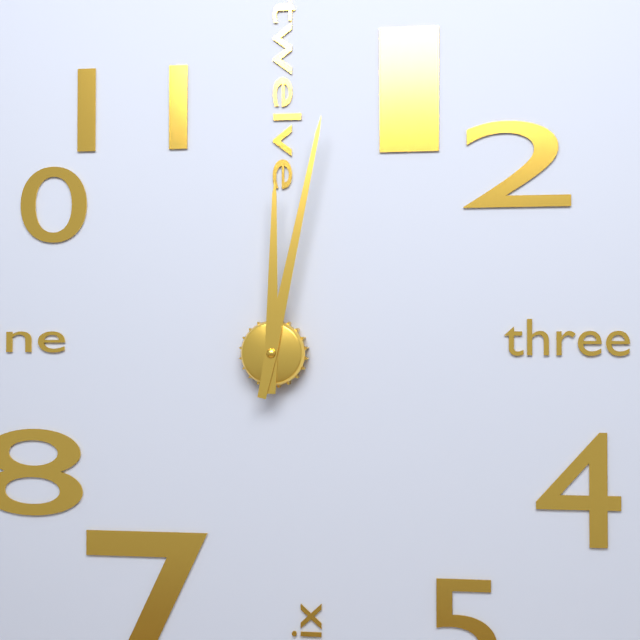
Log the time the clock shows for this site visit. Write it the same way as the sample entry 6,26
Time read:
12,02
